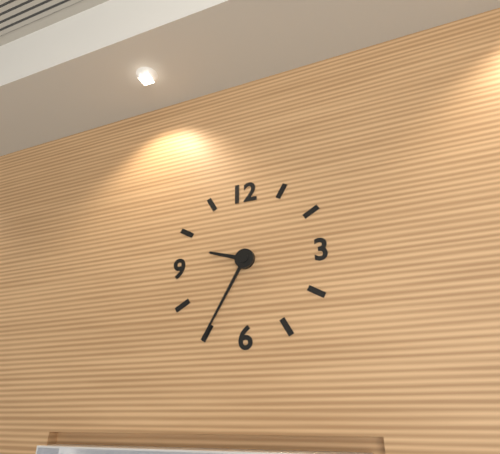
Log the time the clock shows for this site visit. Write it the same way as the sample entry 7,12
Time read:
9,35
